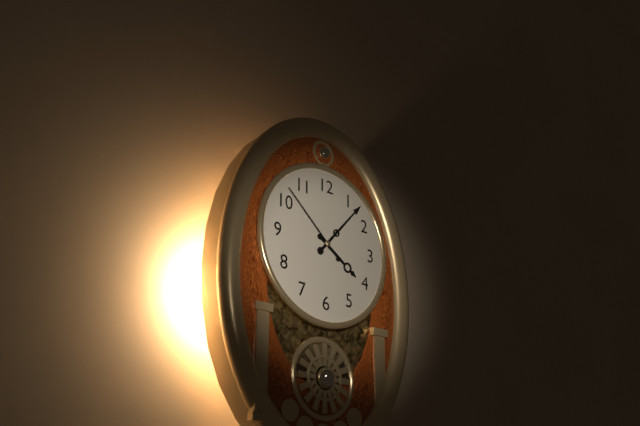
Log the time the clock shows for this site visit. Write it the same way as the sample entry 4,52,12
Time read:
4,07,52
